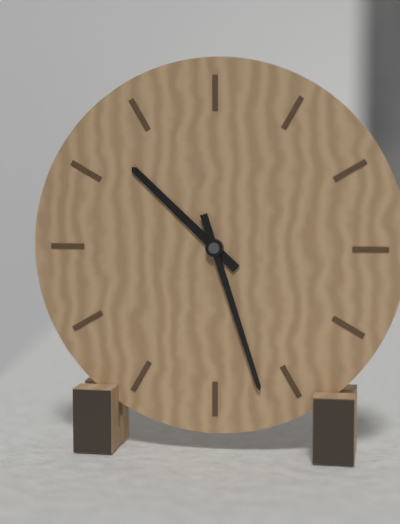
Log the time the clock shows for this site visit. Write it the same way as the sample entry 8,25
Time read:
10,27
